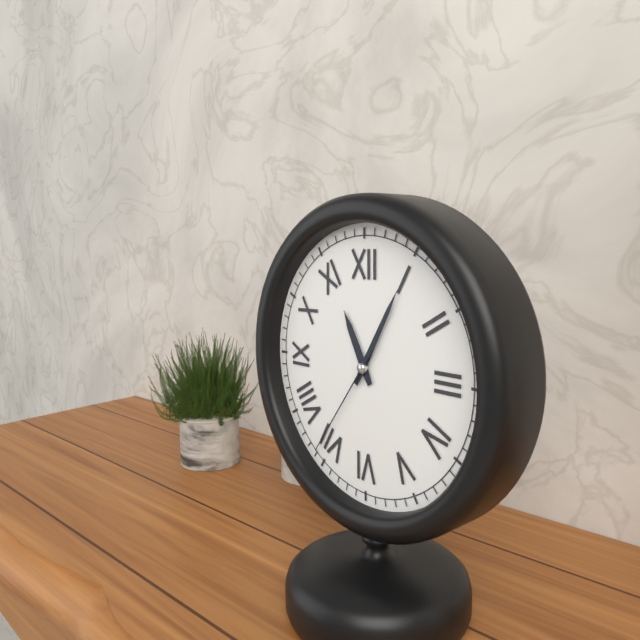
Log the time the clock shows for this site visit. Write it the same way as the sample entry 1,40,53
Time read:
11,05,36
